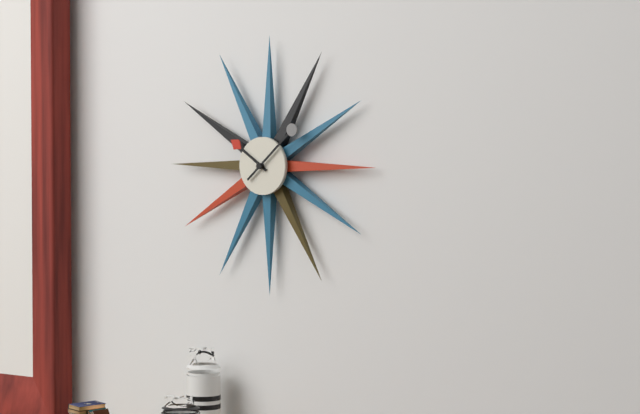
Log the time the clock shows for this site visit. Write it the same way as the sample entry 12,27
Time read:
10,08
